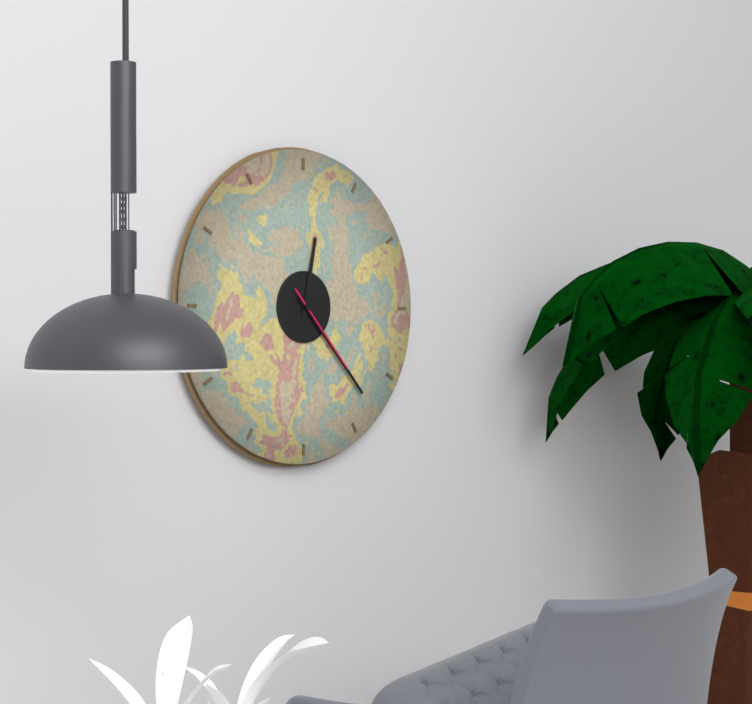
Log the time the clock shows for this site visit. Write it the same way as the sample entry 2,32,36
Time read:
12,23,23
